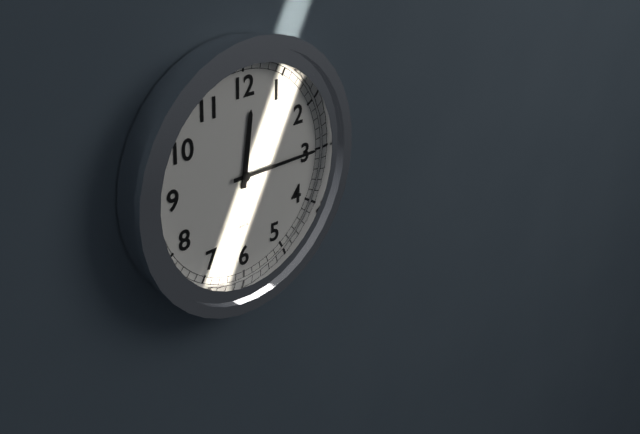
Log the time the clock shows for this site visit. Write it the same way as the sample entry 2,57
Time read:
12,15
